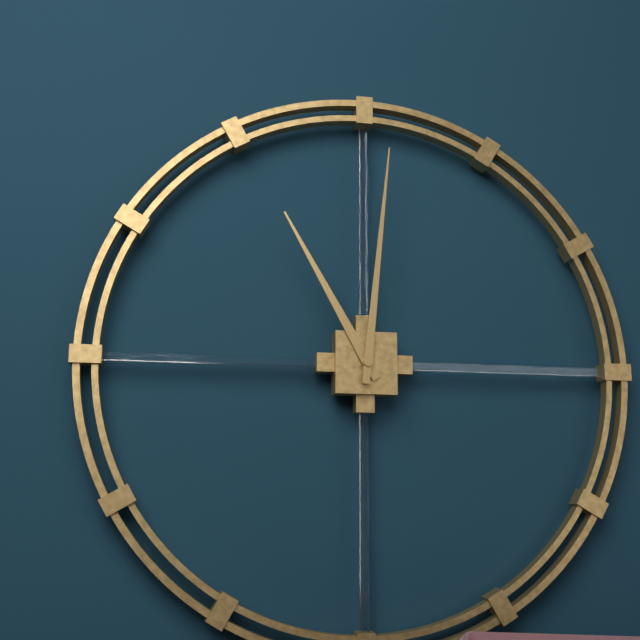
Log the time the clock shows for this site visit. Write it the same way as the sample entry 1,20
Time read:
11,01
